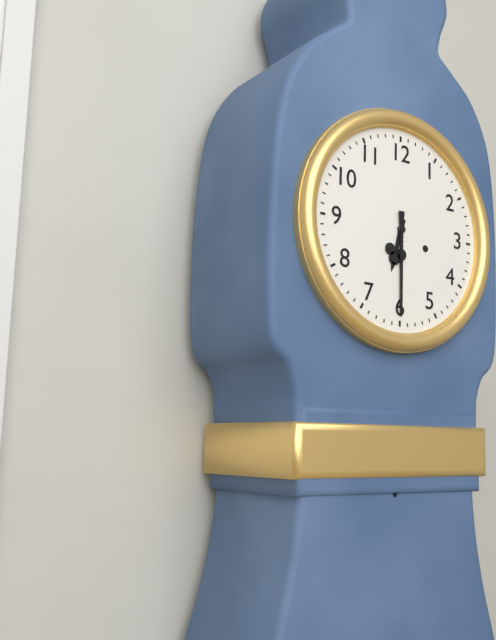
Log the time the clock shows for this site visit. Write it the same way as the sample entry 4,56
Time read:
6,30
